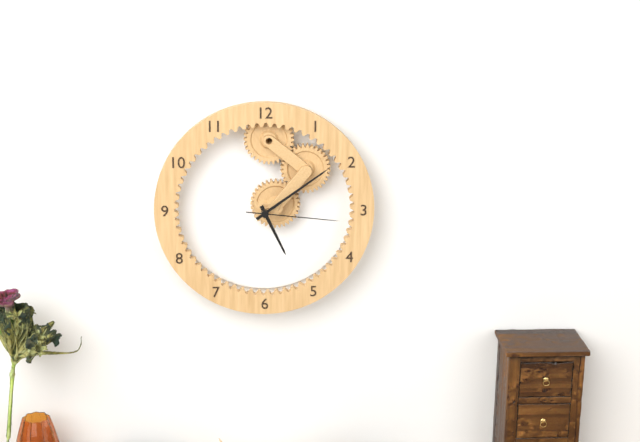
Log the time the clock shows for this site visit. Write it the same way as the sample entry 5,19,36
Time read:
5,09,16
